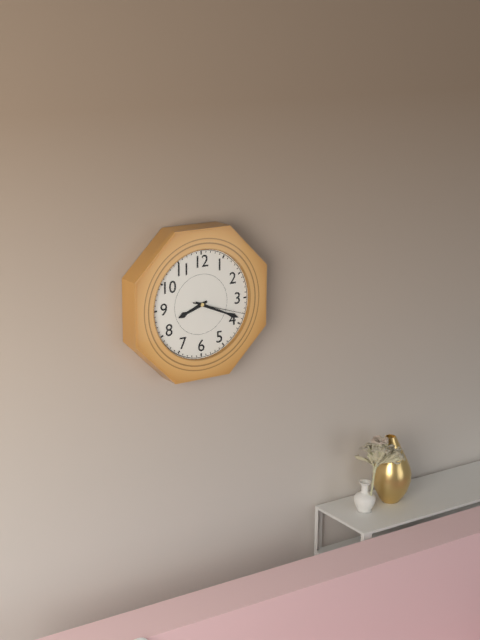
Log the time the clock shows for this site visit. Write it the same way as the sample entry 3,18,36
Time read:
8,19,18
